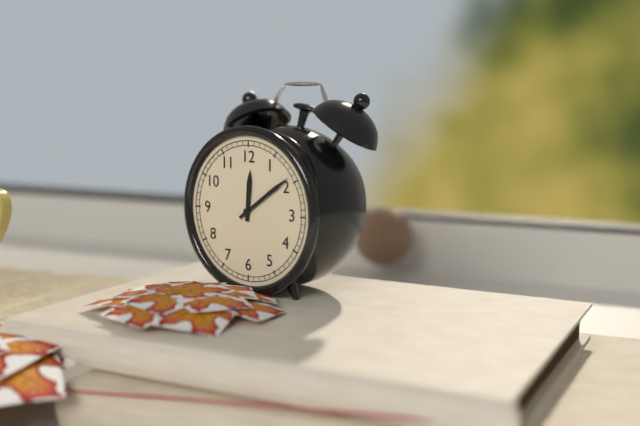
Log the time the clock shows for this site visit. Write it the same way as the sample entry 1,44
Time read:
12,09
